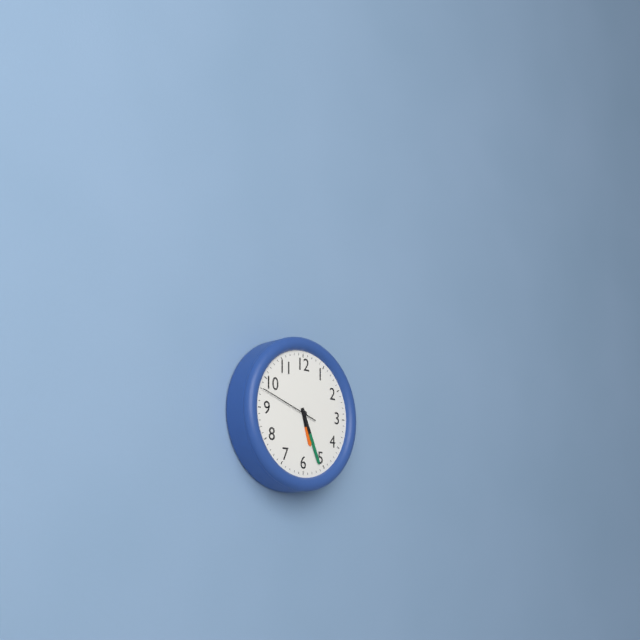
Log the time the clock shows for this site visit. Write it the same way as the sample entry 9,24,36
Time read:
5,26,48
